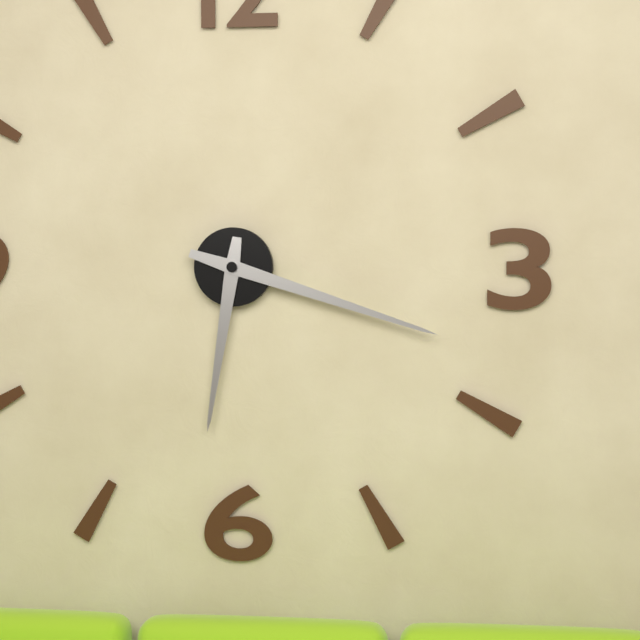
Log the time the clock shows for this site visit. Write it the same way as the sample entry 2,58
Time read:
6,18
